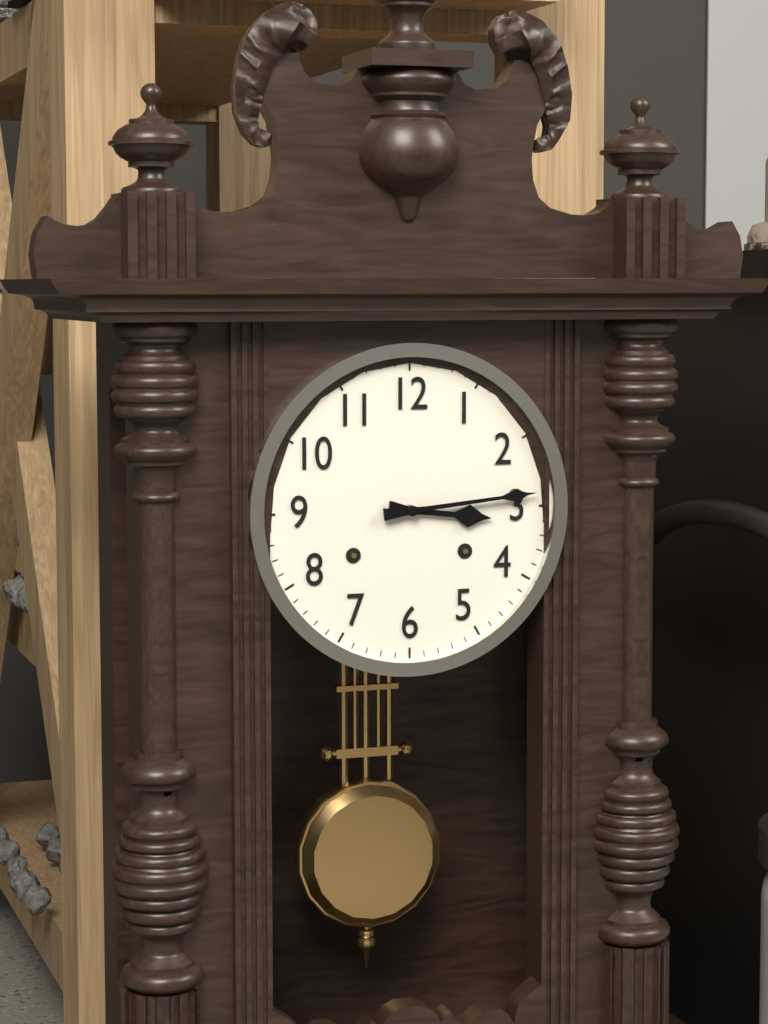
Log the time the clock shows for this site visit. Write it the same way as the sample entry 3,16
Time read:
3,14
